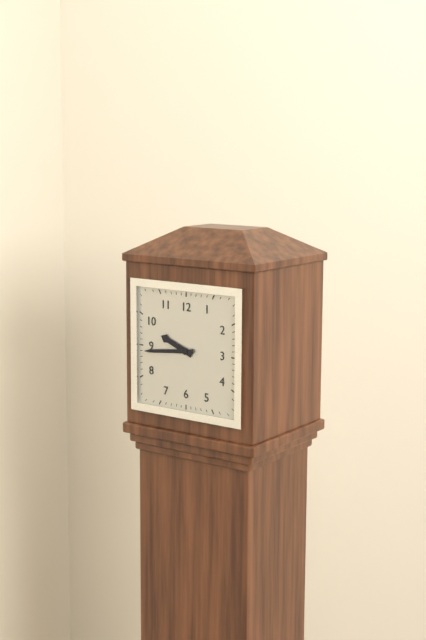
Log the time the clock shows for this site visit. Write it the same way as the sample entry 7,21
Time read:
9,44
